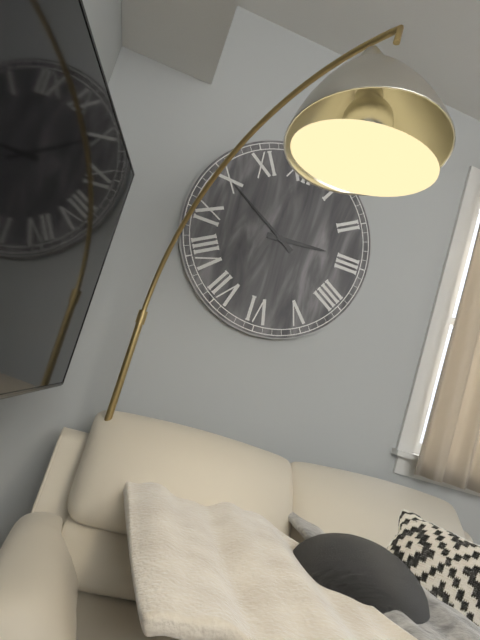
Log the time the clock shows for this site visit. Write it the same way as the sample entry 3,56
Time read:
2,50
